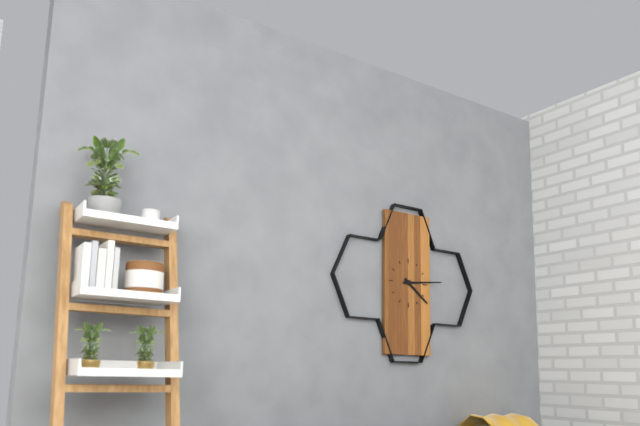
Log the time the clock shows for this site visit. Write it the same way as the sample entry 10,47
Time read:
4,14
